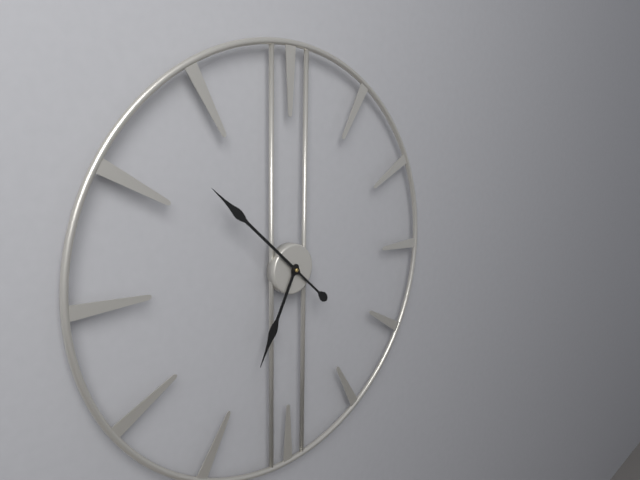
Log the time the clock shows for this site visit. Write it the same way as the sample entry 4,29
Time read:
6,52
